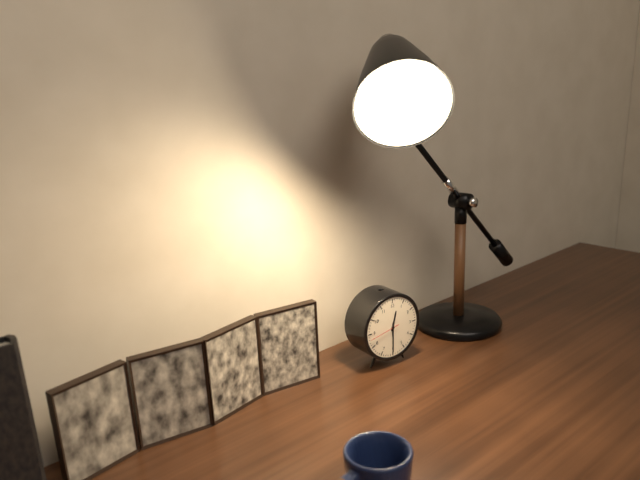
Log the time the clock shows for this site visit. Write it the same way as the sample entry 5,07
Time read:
12,30
